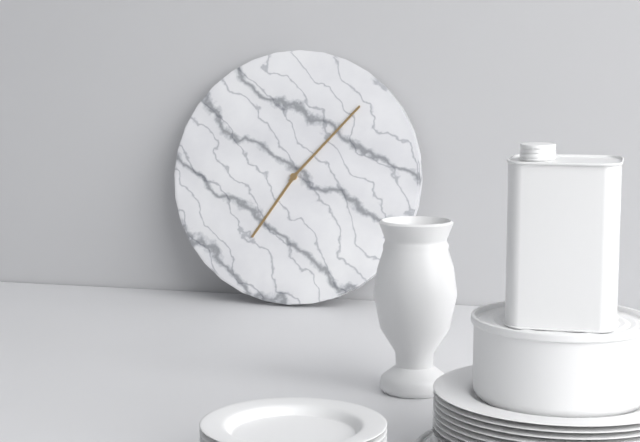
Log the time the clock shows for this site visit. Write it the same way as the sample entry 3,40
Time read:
7,07
